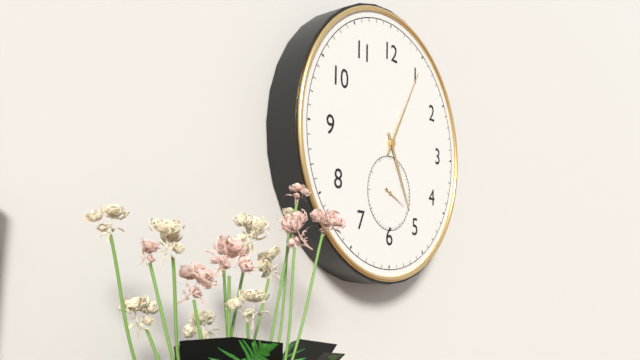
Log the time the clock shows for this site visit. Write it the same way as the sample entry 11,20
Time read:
5,05
